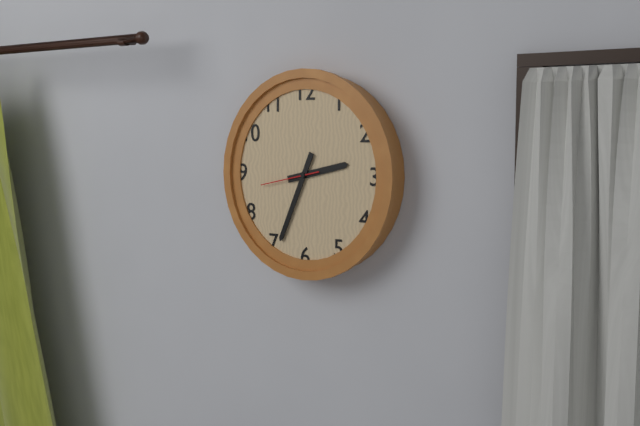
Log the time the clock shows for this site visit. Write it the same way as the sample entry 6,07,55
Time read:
2,34,43
